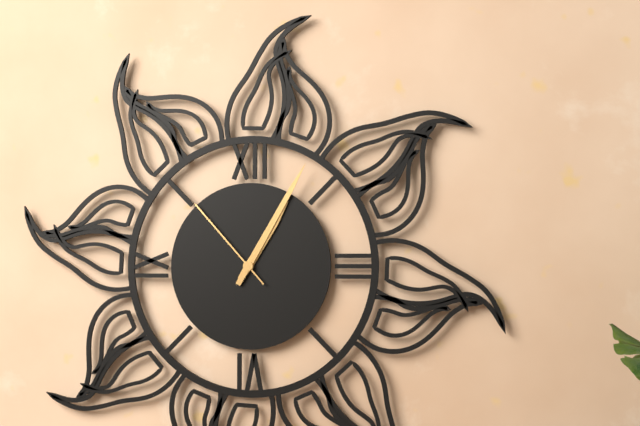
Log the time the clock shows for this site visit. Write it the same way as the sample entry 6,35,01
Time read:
1,05,53
